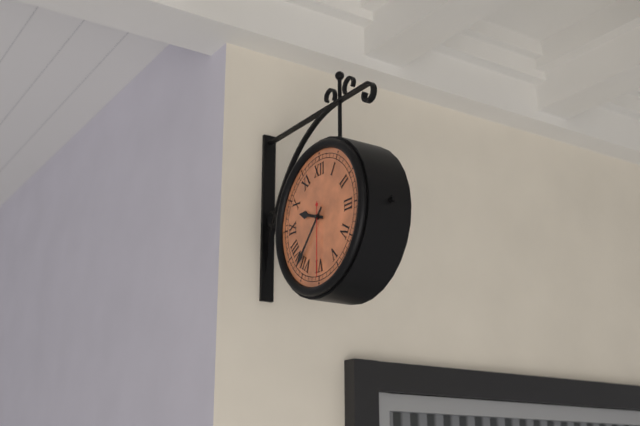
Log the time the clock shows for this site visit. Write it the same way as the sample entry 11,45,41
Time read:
9,37,30
